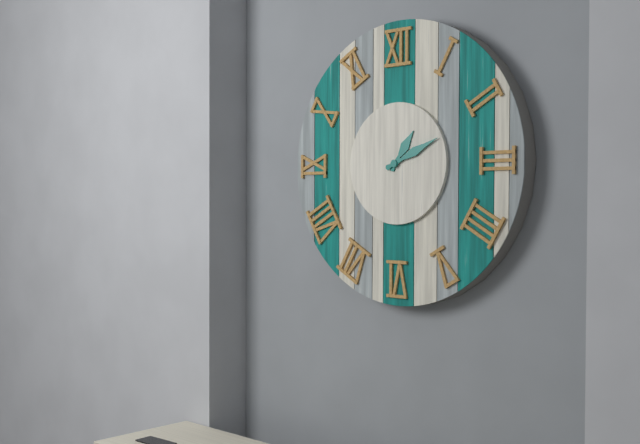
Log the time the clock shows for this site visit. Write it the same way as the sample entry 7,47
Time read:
1,11
